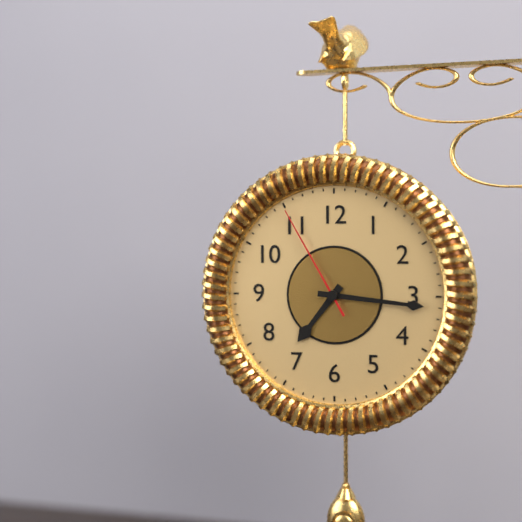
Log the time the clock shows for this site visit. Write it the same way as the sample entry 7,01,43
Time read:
7,16,55
